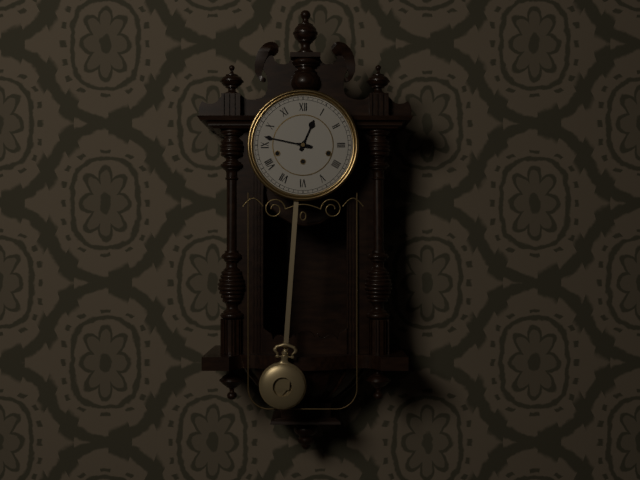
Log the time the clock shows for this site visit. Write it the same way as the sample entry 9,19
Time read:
12,47
